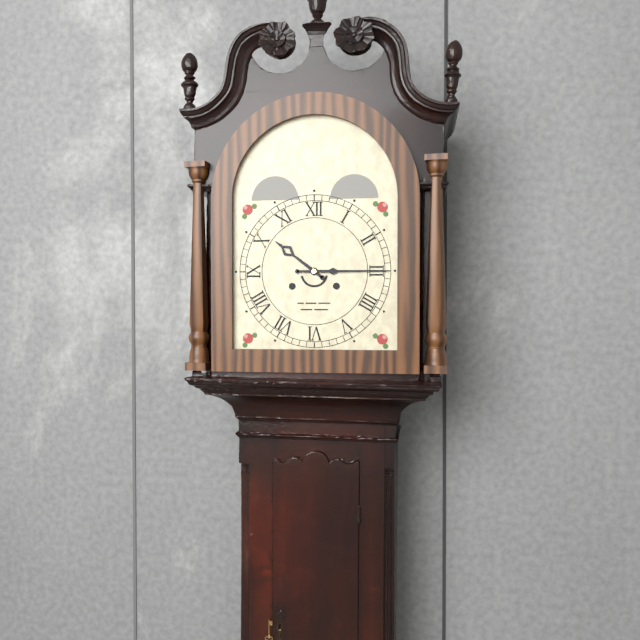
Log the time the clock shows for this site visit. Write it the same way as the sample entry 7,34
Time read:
10,15
